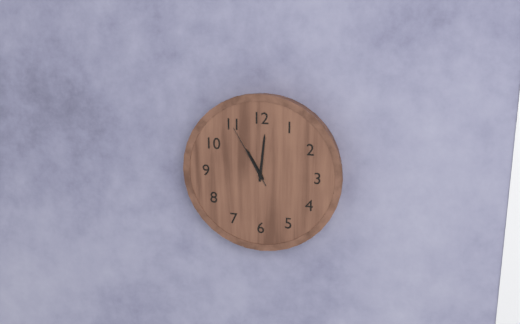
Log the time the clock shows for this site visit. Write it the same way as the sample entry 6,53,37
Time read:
11,01,55
